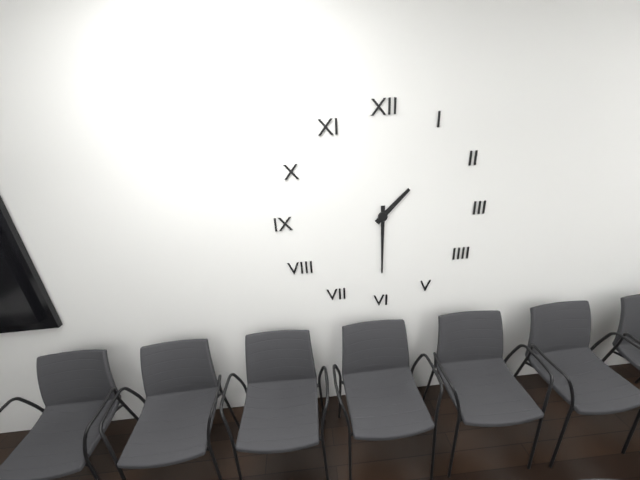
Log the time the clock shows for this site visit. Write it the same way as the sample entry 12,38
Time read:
1,30
